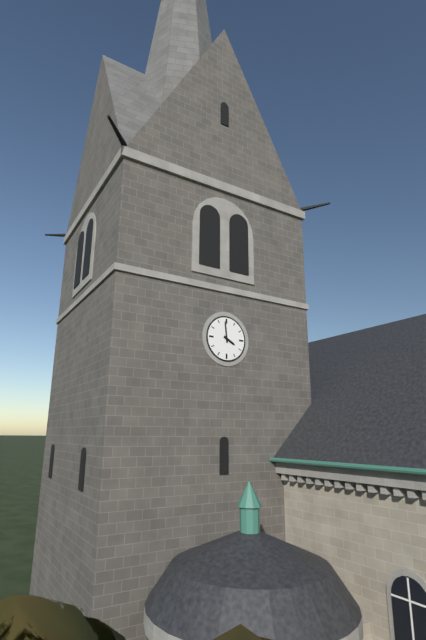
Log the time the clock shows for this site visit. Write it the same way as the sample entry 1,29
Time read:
3,59
